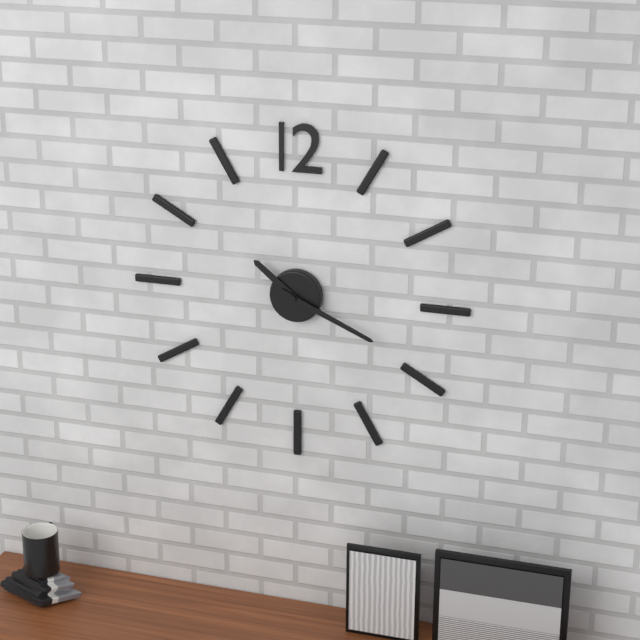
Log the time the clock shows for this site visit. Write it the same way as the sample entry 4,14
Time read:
10,19
